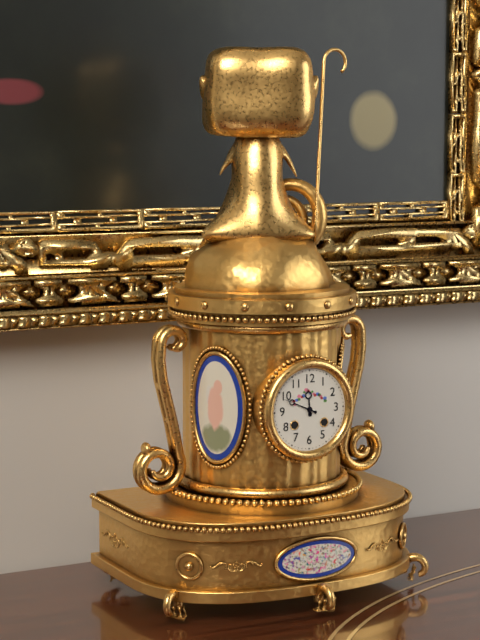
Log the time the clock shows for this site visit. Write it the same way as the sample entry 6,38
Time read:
11,49
